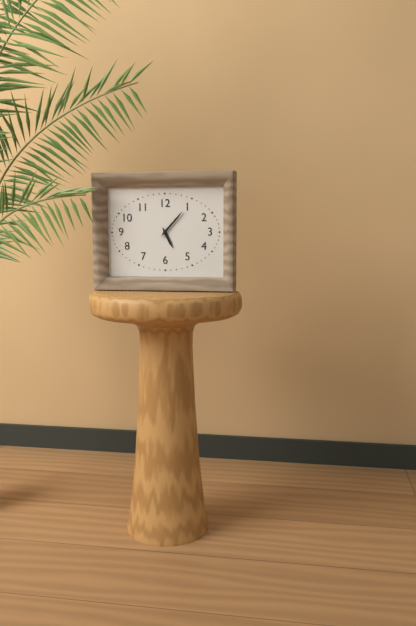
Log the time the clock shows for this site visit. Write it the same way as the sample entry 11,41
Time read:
5,07
